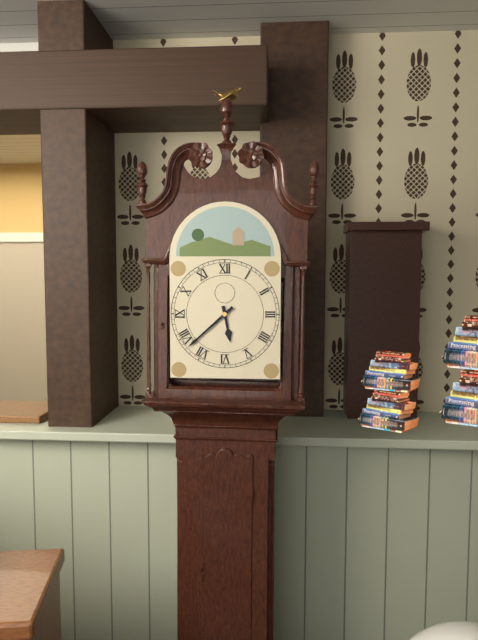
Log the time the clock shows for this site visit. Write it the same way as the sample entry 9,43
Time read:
5,38
